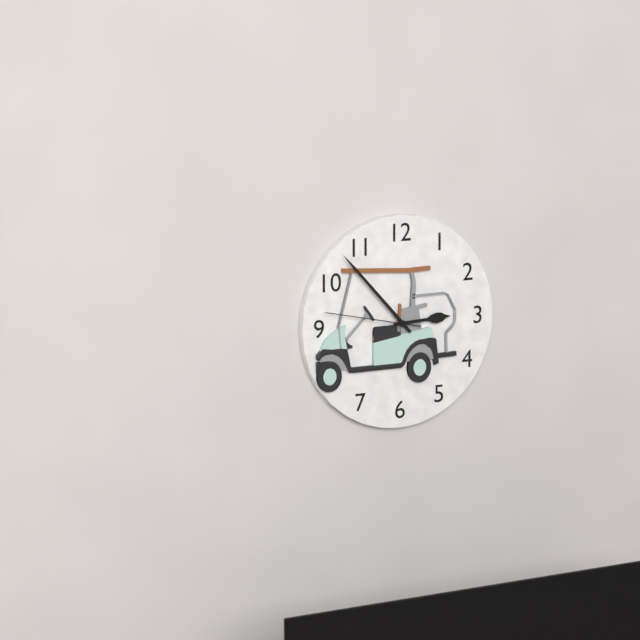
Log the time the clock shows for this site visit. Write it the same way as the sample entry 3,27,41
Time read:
2,53,47
